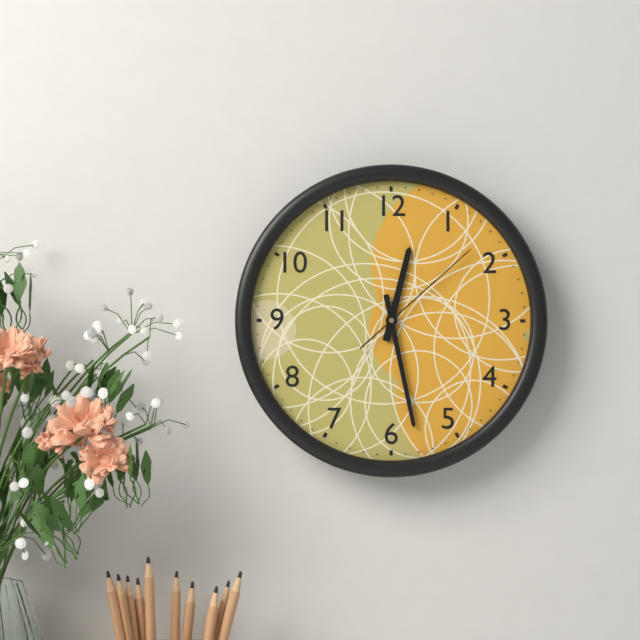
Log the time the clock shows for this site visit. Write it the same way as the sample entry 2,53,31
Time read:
12,28,08
